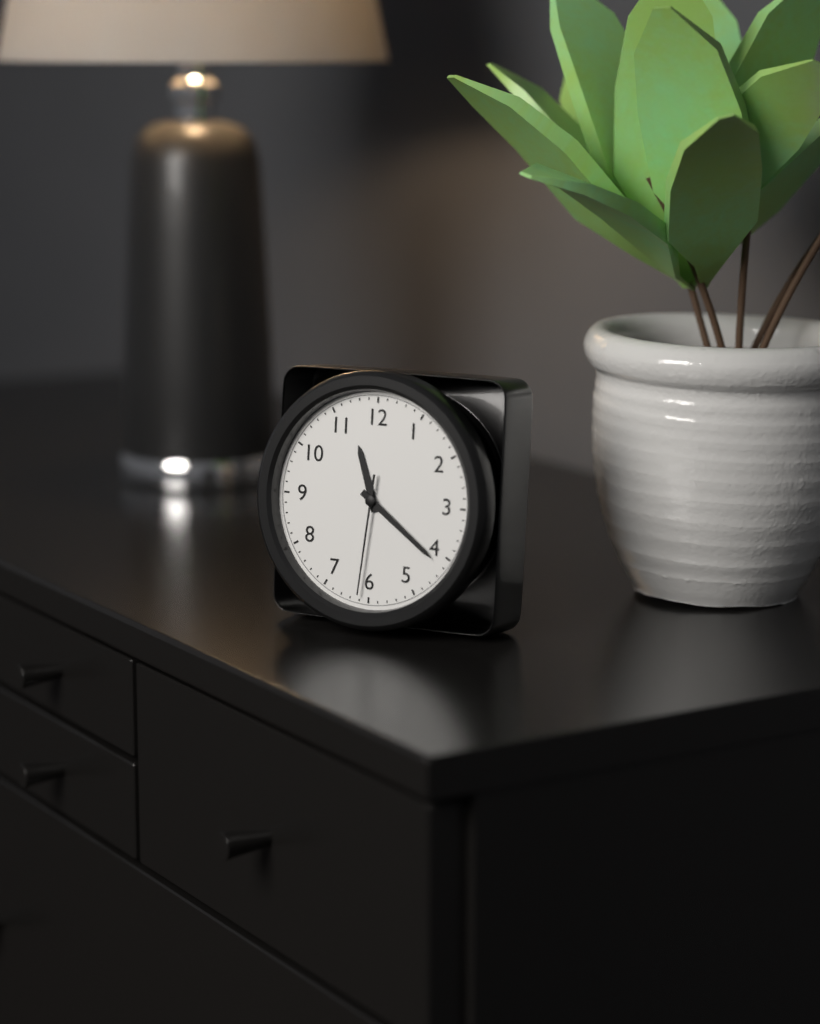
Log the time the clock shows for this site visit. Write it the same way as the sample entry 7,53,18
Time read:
11,21,31
